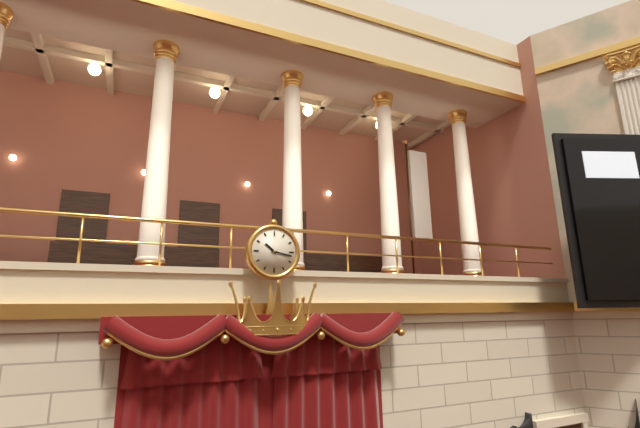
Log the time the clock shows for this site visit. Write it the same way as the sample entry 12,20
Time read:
10,17
